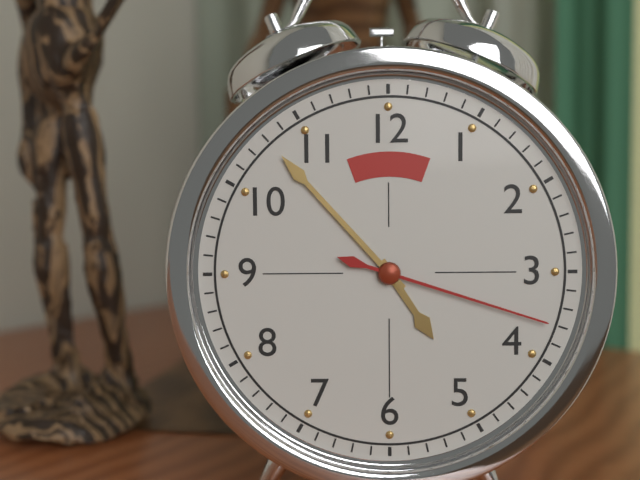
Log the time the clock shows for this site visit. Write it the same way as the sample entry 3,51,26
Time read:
4,53,18
